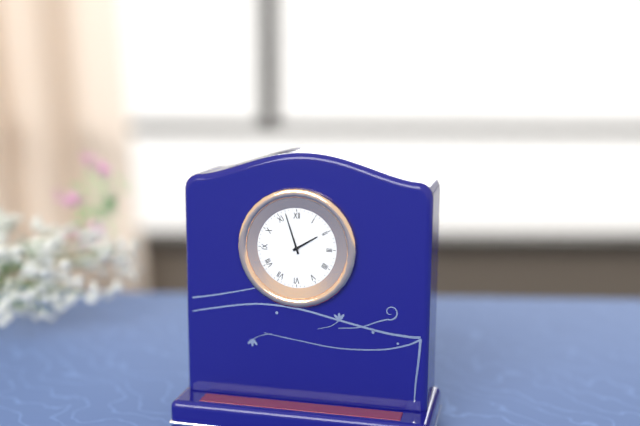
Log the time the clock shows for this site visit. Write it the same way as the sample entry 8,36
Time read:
1,57
